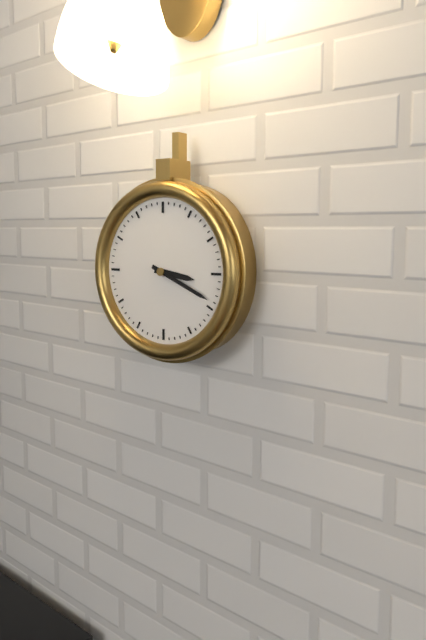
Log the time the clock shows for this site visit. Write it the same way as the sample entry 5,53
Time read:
3,19
